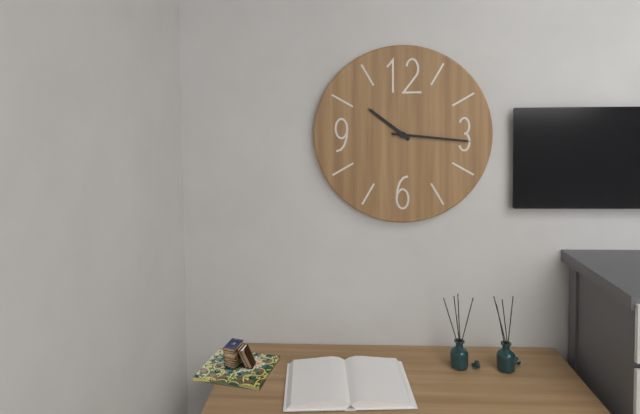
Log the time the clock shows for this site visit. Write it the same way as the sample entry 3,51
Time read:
10,16
